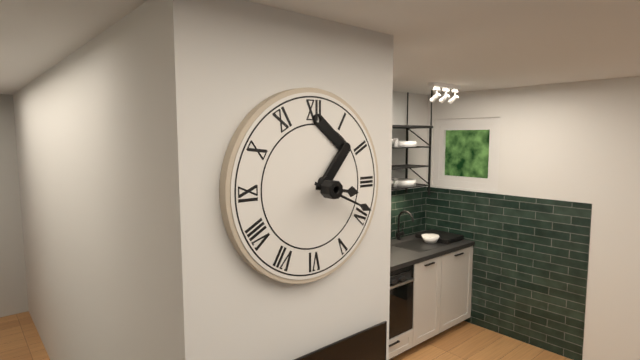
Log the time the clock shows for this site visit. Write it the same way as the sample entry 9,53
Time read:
3,19
